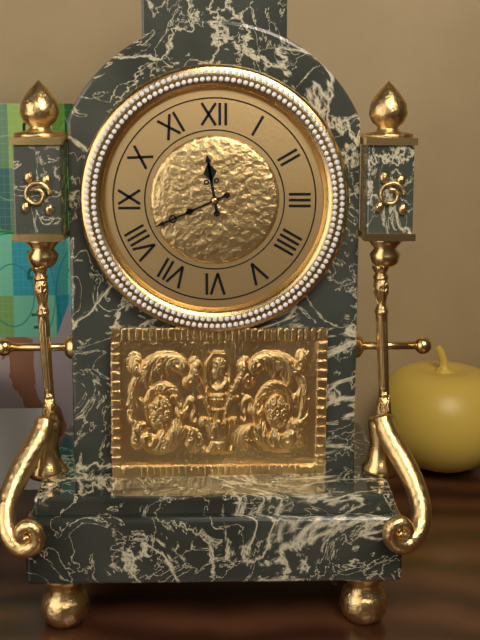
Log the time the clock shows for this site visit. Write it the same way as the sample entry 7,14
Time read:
11,41
